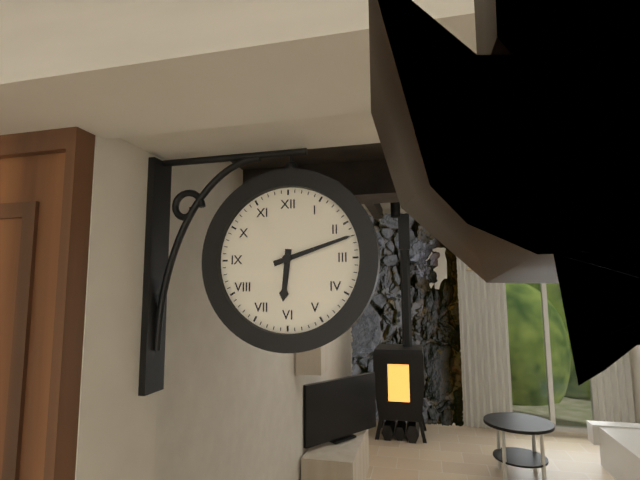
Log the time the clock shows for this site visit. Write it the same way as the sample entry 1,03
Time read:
6,12
